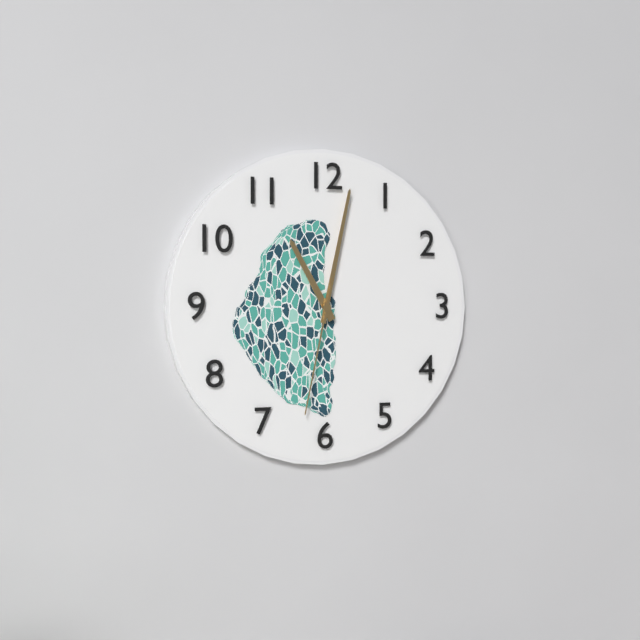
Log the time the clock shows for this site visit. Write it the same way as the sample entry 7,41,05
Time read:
11,02,32
